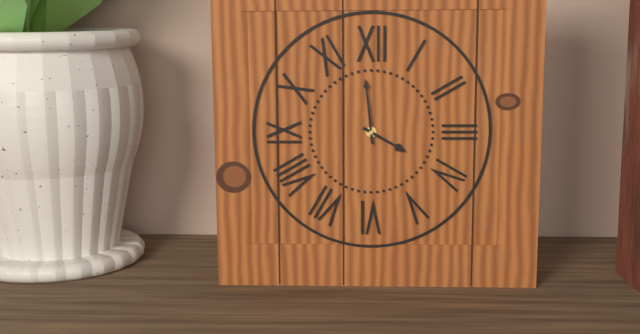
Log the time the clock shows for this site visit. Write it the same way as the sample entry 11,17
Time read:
3,59
